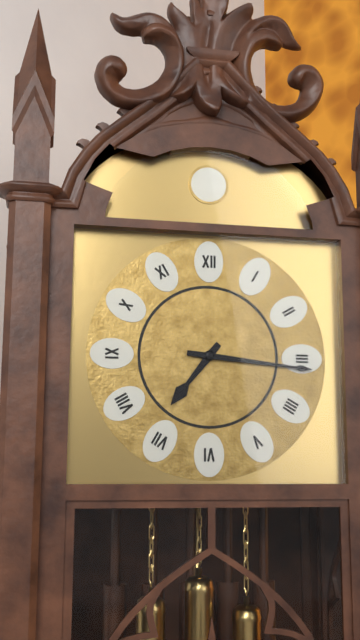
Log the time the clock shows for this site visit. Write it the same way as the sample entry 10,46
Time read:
7,16
